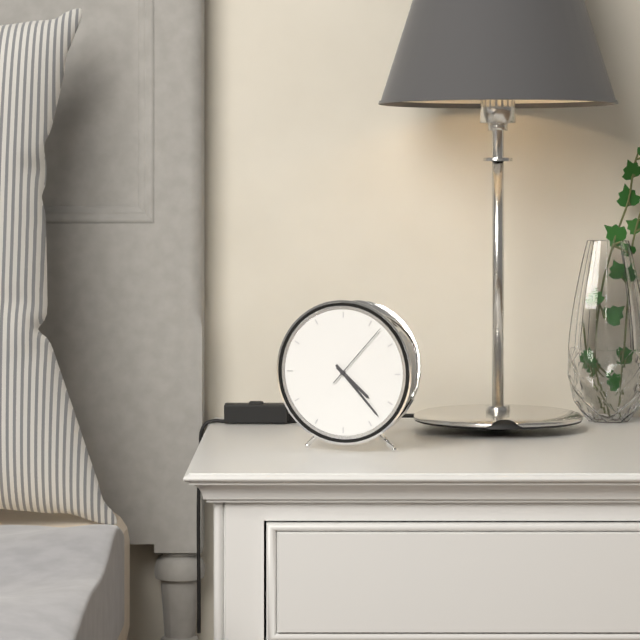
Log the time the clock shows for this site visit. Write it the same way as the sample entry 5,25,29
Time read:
4,23,07
